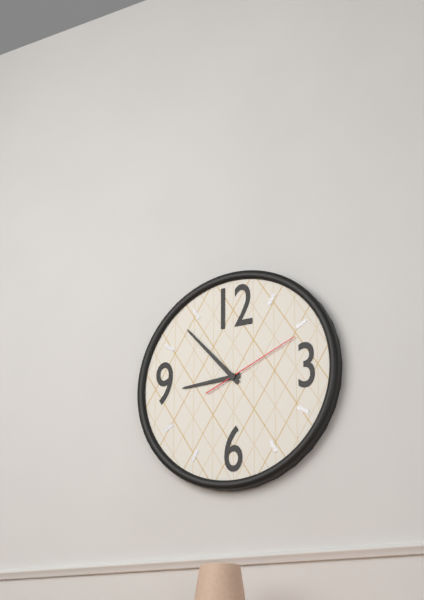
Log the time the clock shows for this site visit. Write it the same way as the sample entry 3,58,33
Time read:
8,53,11
